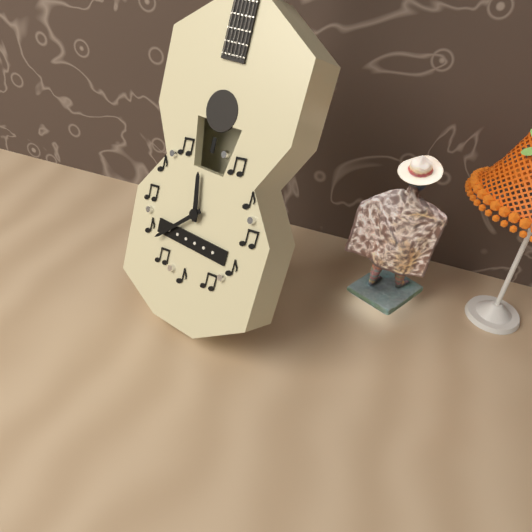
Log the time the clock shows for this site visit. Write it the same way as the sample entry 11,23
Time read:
11,38
